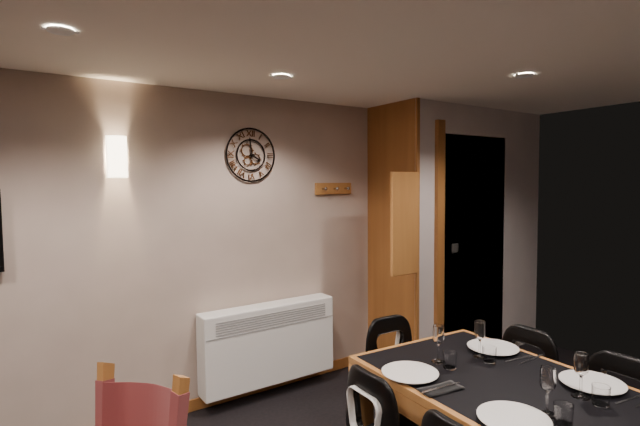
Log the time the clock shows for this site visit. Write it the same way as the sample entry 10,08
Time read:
3,59
